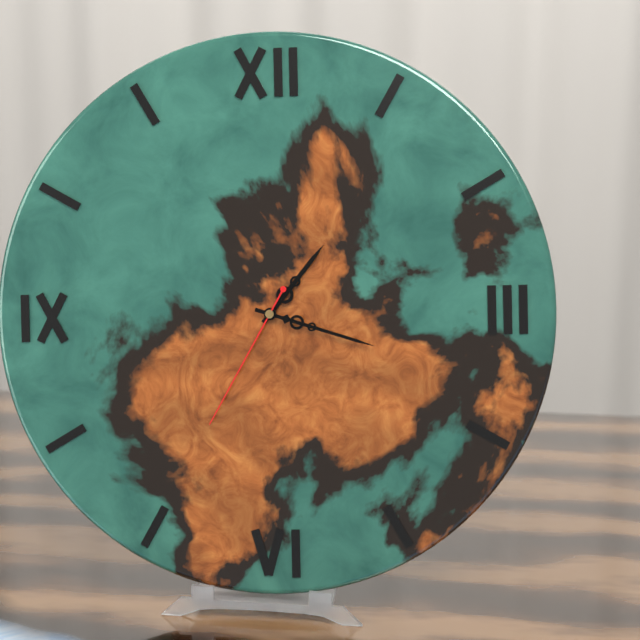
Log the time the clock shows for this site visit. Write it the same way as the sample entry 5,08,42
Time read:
1,18,35
